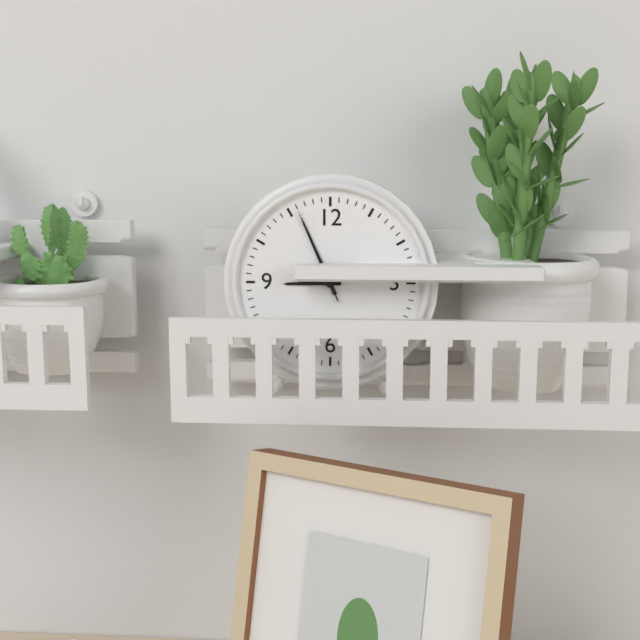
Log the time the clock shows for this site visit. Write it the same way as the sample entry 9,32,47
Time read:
8,56,56
